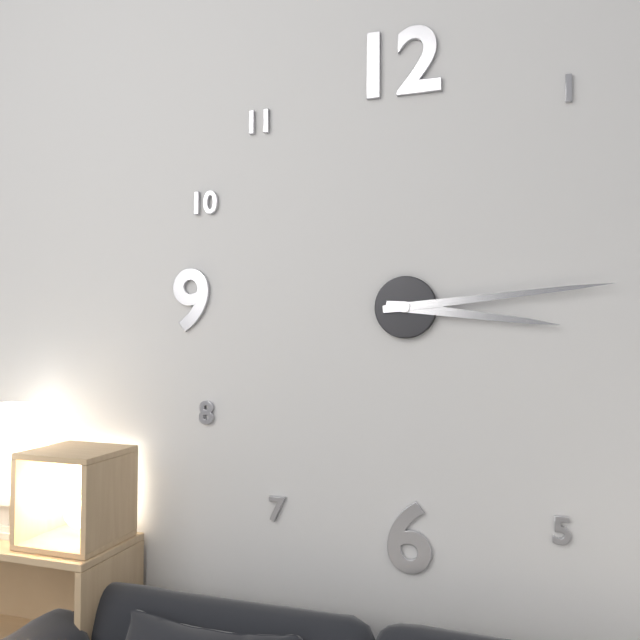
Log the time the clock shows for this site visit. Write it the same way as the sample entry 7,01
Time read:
3,14
